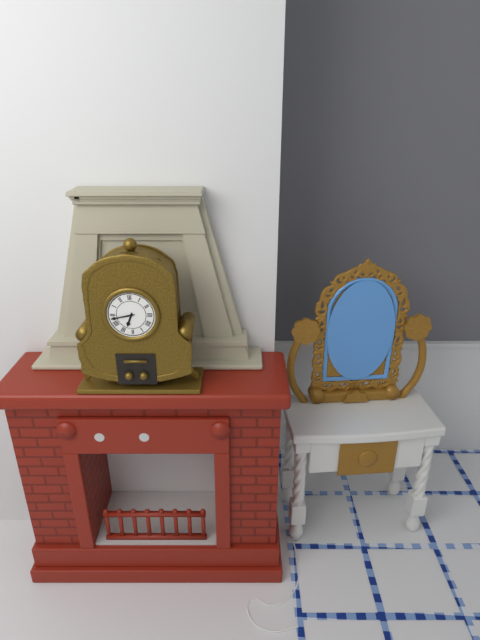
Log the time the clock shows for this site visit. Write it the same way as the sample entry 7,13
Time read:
6,43
